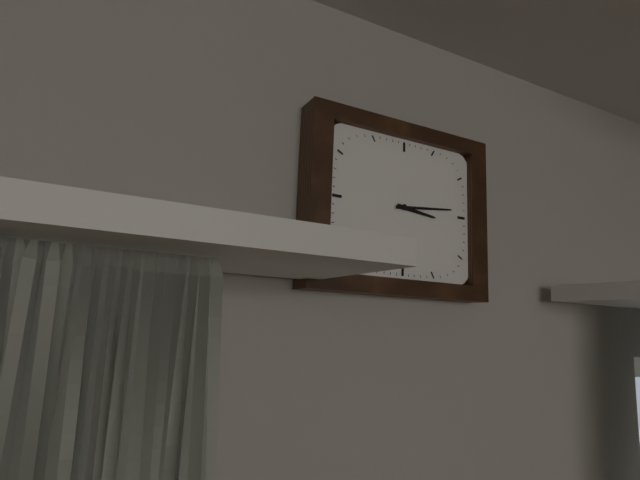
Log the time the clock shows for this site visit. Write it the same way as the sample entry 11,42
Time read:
3,14
